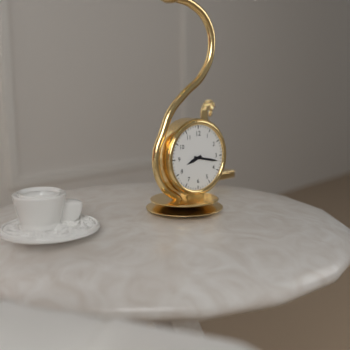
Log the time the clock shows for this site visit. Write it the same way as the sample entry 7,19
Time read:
8,17
